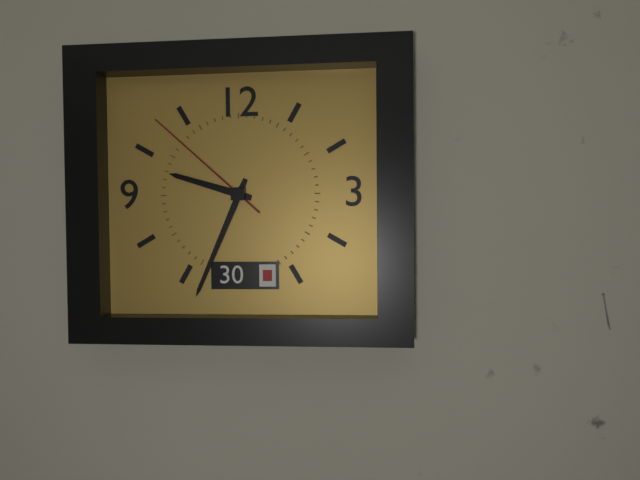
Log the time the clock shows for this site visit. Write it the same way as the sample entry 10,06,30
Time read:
9,34,52
